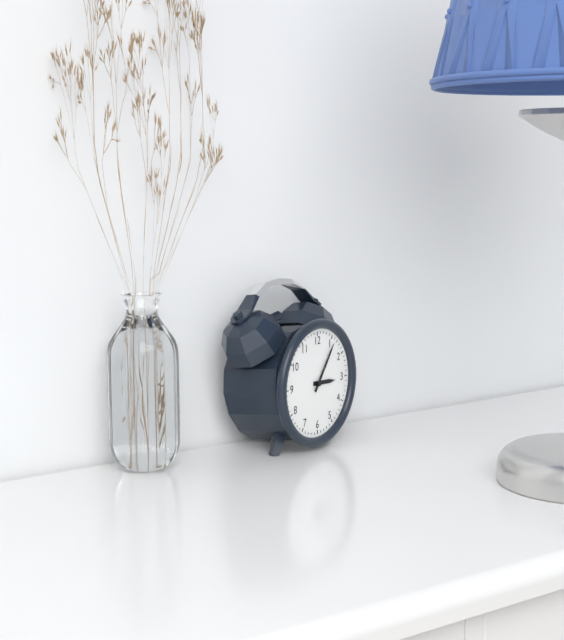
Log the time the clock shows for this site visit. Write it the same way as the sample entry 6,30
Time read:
3,06
